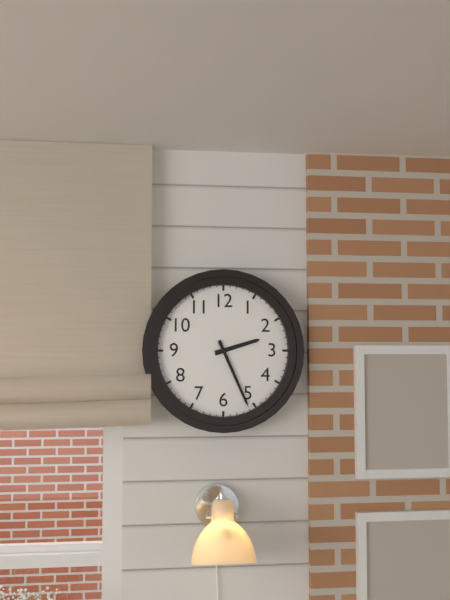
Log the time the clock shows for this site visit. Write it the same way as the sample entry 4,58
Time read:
2,26
